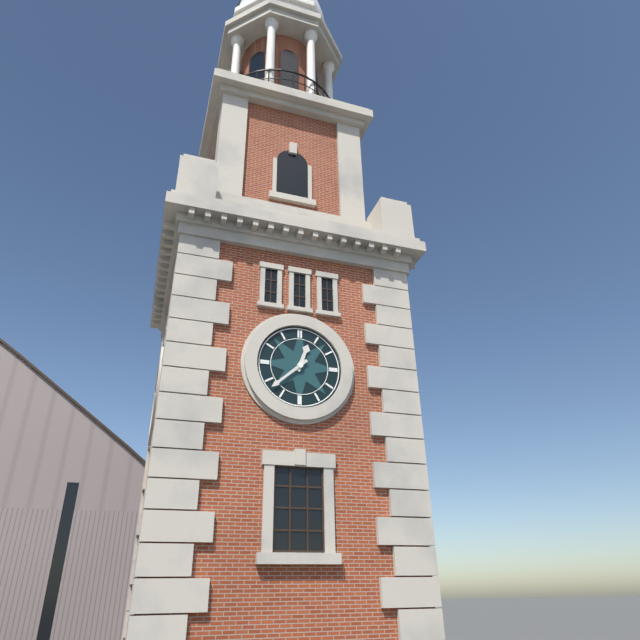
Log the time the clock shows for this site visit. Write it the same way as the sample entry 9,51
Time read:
12,38
